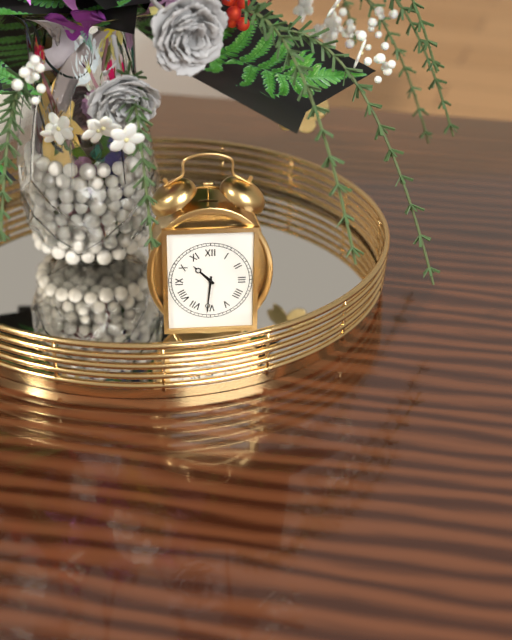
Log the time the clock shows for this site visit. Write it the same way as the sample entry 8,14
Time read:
10,31
